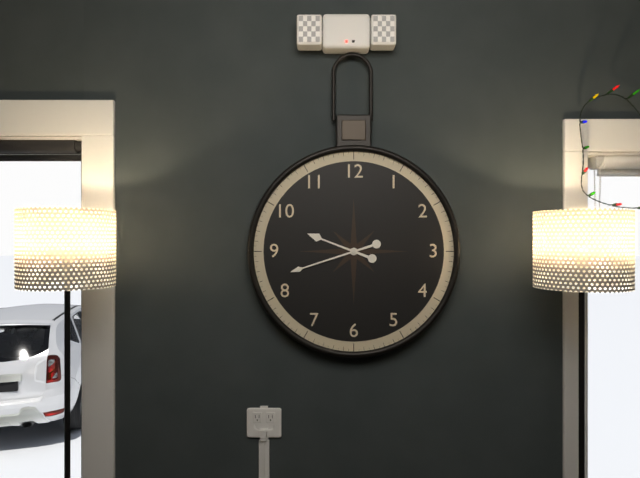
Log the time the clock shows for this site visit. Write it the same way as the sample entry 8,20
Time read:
9,42
